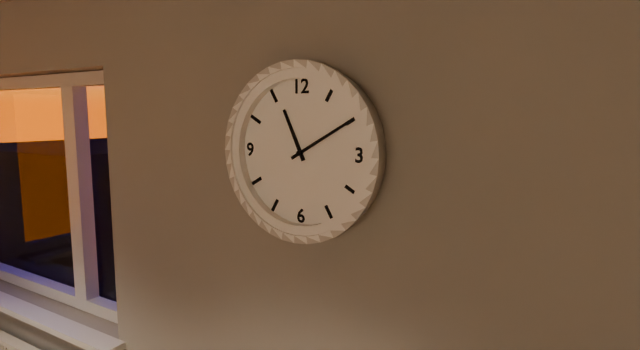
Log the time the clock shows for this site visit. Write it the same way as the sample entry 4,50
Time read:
11,10
